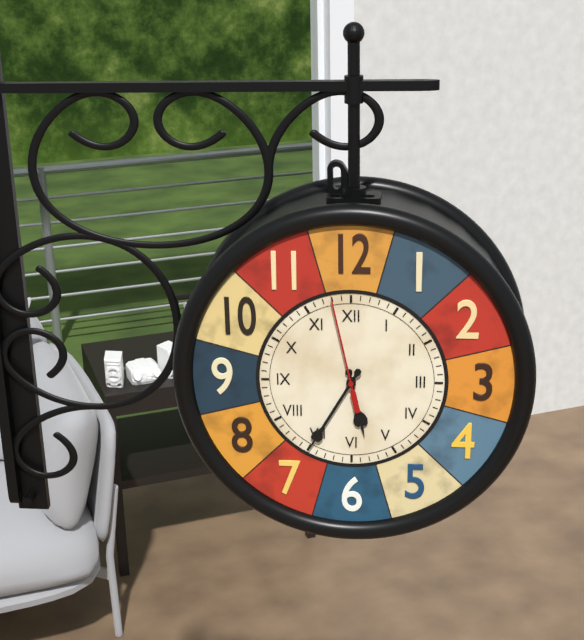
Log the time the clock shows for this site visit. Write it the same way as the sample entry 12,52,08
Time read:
5,35,58
